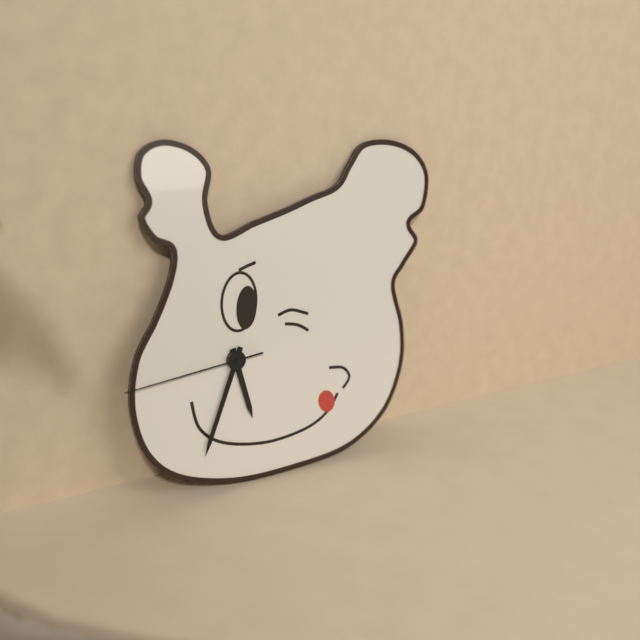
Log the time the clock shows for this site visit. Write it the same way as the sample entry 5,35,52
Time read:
5,34,44
